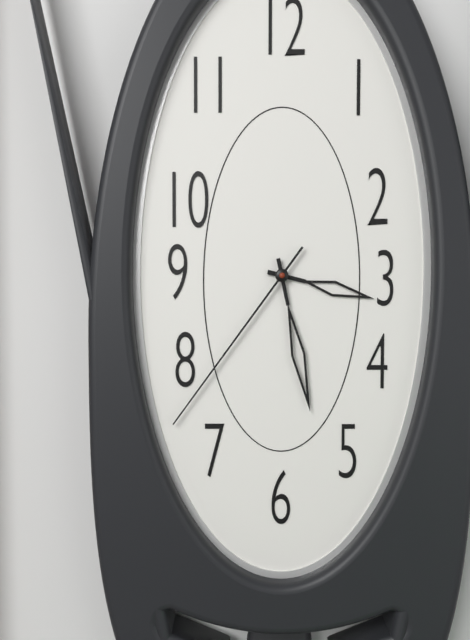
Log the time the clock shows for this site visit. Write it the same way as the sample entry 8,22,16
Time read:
3,28,36
